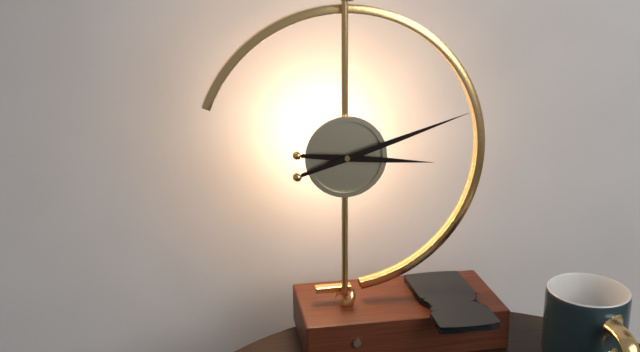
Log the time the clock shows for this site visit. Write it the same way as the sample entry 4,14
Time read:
3,12
